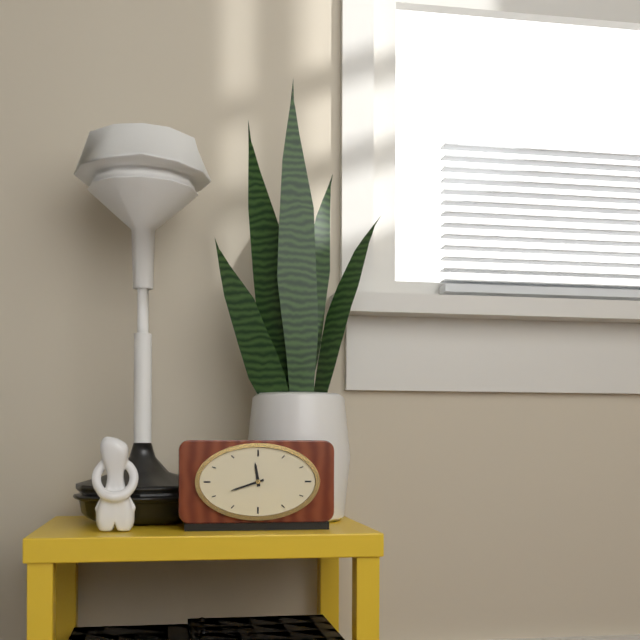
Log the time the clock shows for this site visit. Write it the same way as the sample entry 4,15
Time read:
11,42
